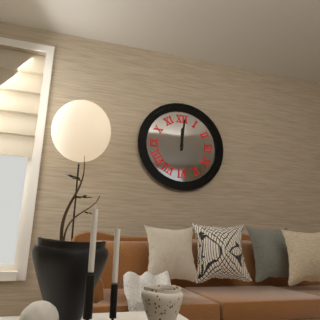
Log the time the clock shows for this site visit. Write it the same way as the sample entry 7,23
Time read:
12,01
